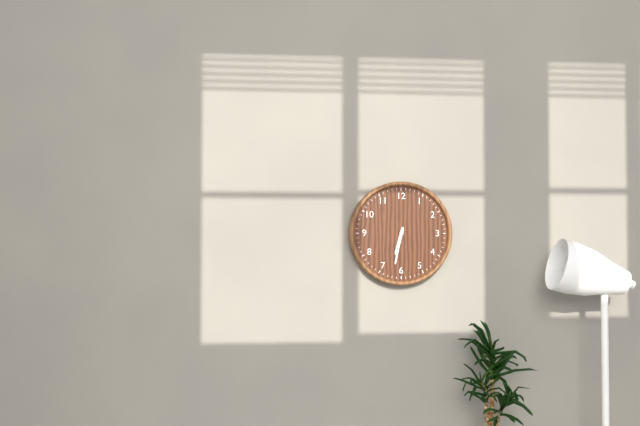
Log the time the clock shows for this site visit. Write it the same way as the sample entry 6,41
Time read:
6,32
